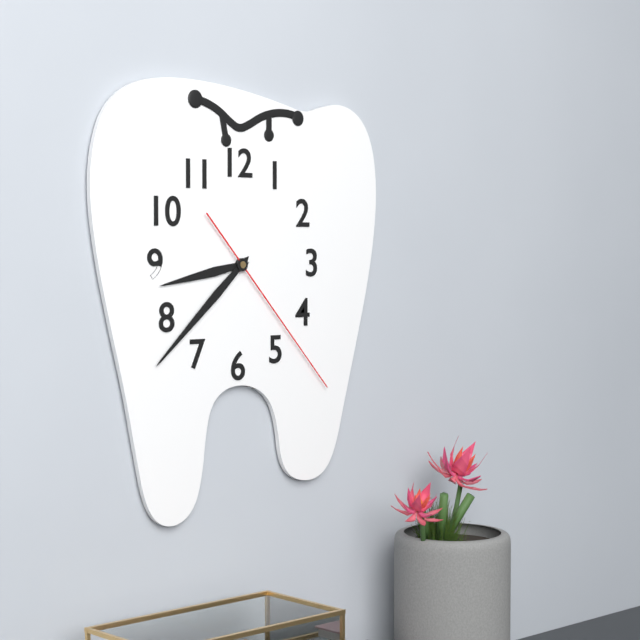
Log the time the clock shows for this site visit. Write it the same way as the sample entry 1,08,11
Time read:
8,38,23
